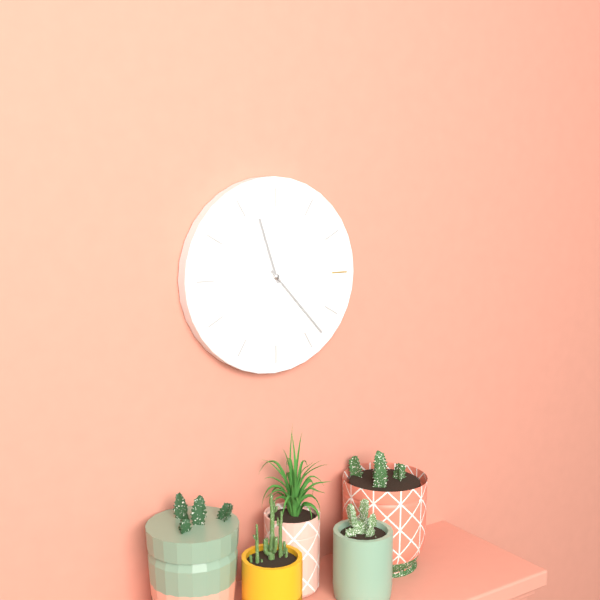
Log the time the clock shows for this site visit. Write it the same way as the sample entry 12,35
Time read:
11,23
